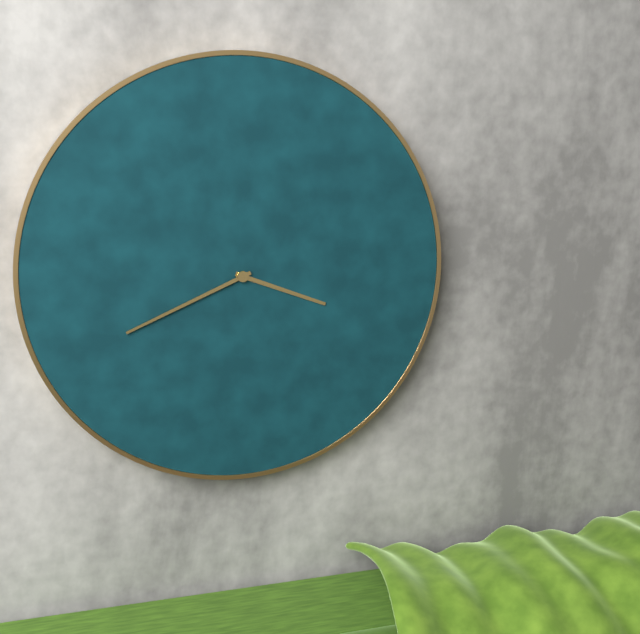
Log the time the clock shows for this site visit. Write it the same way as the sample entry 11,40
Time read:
3,41
